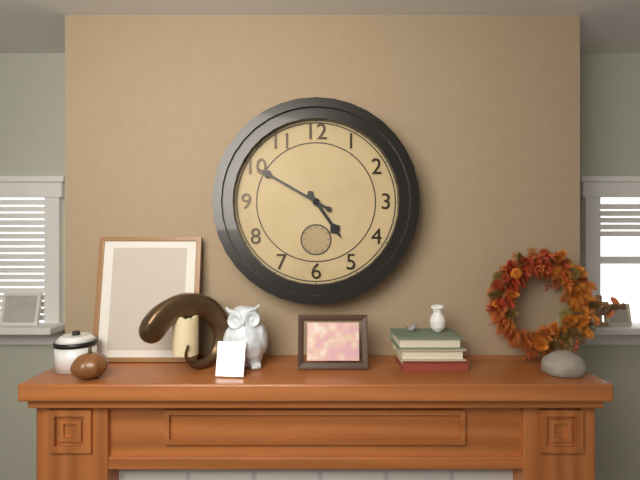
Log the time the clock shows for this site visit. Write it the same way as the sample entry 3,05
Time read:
4,50
